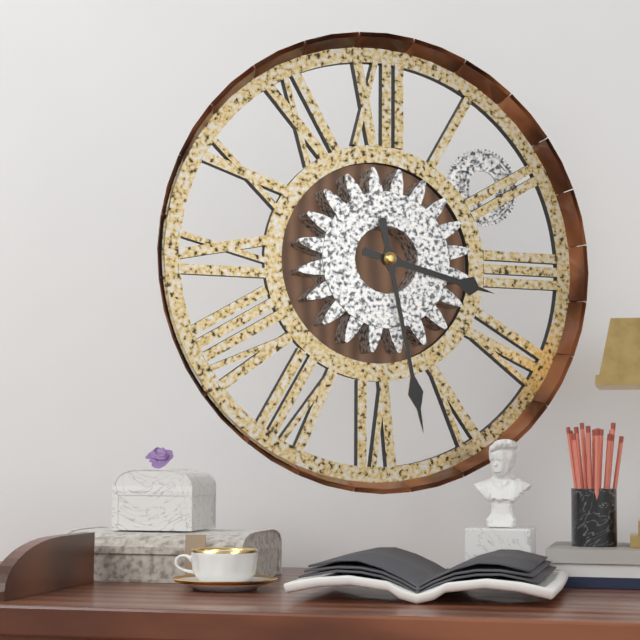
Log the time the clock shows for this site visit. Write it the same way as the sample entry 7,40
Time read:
3,28
